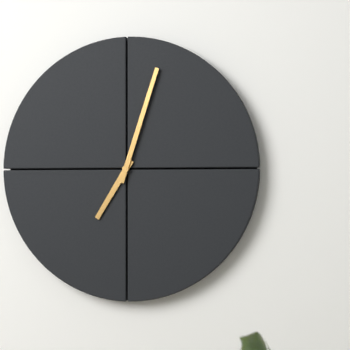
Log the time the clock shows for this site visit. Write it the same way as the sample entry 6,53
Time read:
7,03
